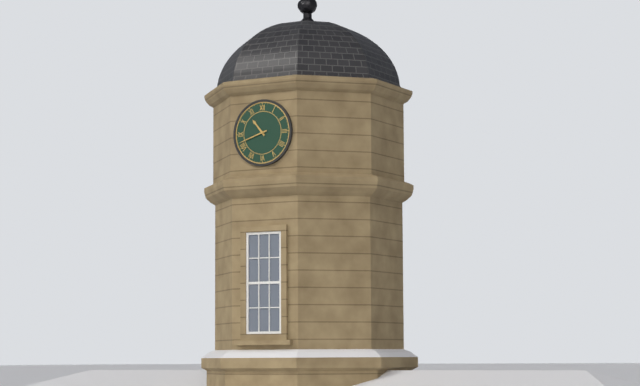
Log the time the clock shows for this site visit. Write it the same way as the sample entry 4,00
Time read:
10,42
